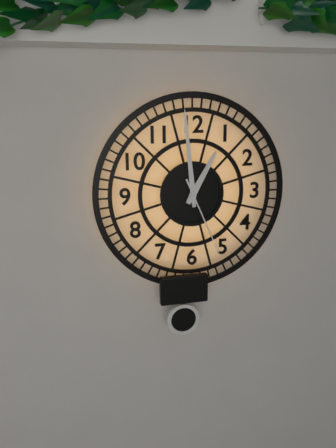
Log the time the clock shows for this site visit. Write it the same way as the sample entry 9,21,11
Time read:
12,59,26
